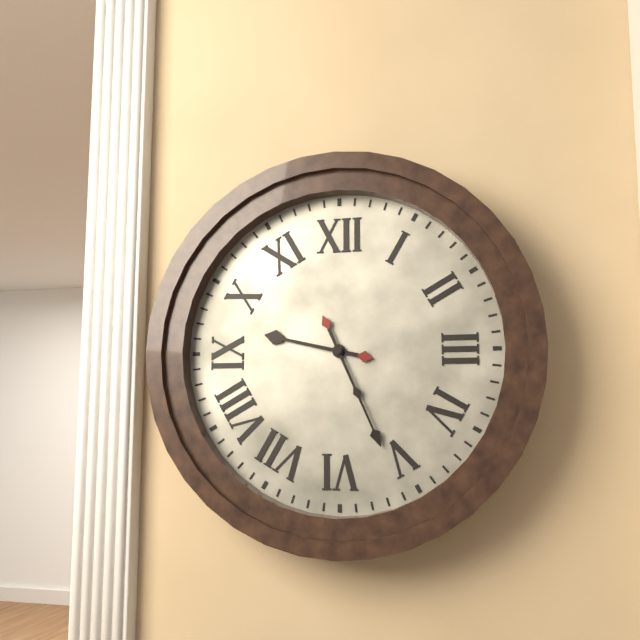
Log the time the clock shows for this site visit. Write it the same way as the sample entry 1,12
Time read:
9,26
